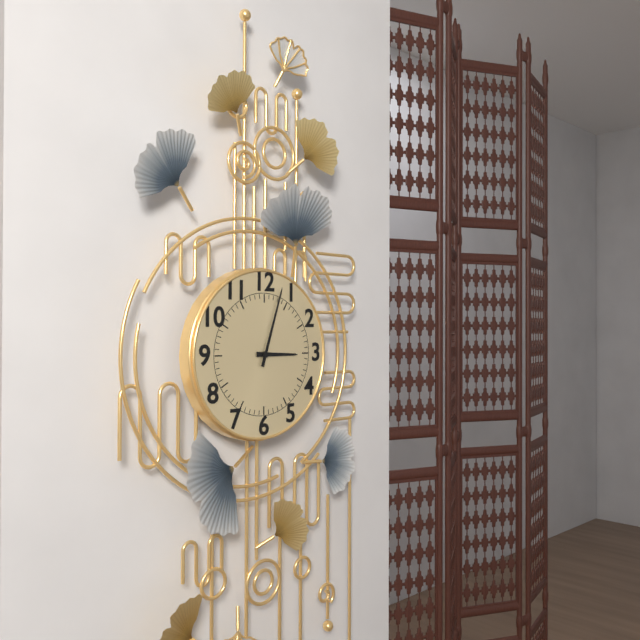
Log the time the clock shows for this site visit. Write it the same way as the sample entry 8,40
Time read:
3,03
